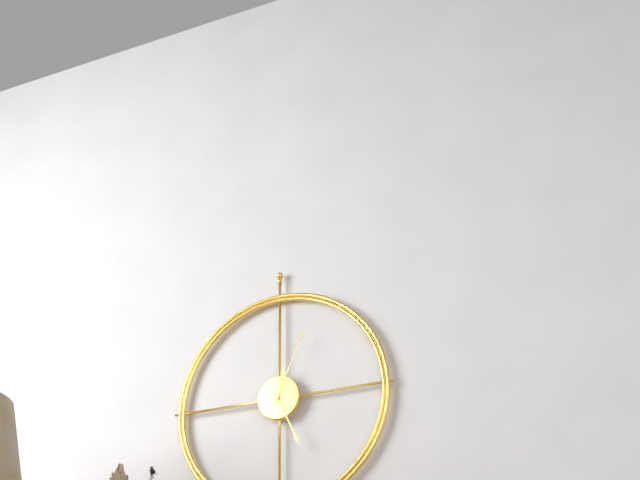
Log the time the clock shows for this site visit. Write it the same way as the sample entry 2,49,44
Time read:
12,26,04
